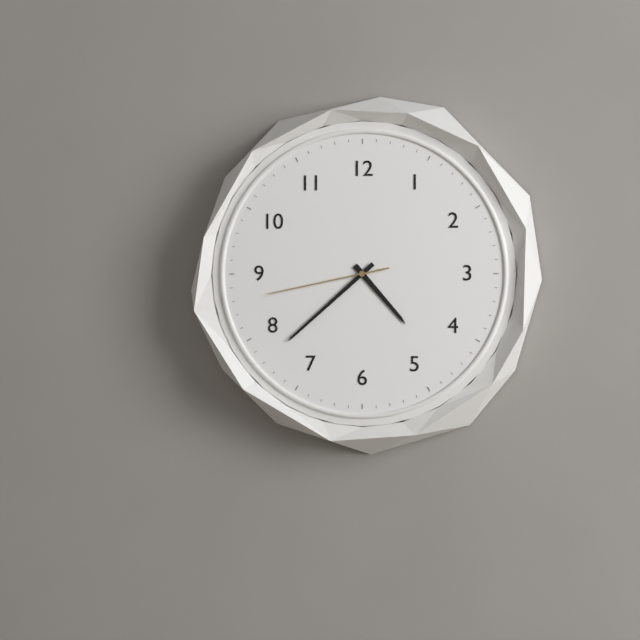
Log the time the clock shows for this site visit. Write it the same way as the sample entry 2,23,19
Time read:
4,38,43
